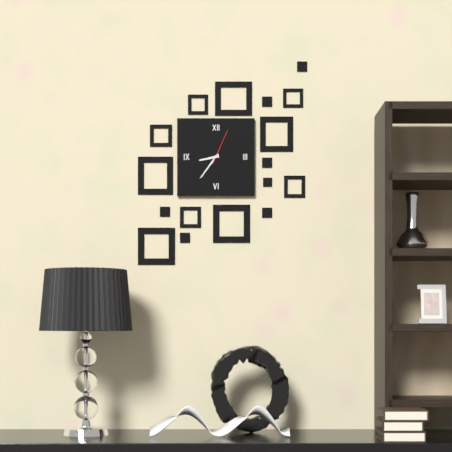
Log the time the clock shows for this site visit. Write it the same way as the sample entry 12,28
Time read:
8,36
